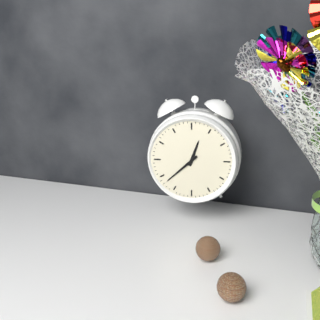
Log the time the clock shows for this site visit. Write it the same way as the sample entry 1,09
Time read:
12,38
